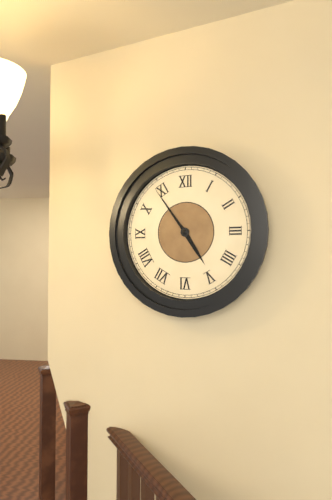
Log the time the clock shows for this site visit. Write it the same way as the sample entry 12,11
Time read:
4,54
